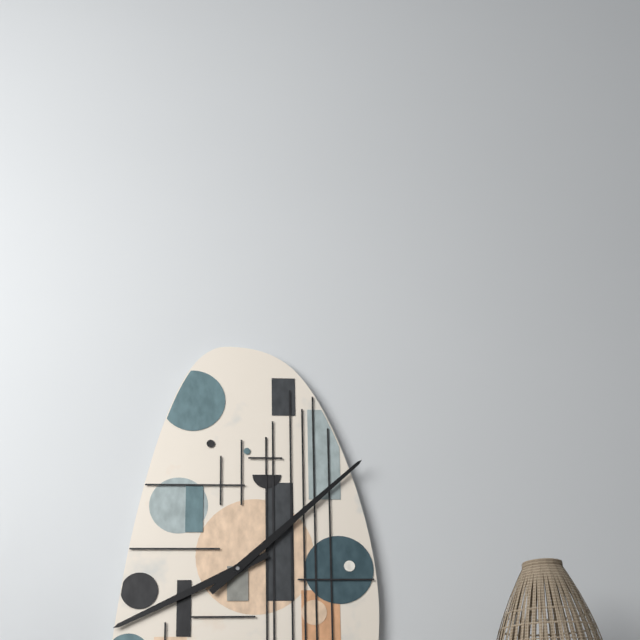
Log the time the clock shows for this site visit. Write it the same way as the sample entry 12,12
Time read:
8,08
